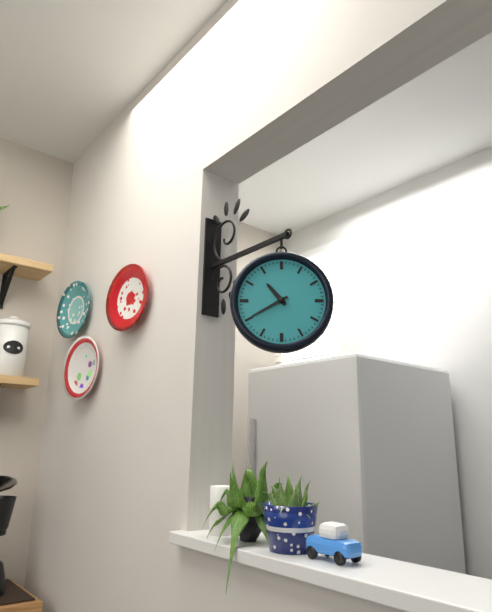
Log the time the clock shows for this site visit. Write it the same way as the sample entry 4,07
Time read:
10,40
